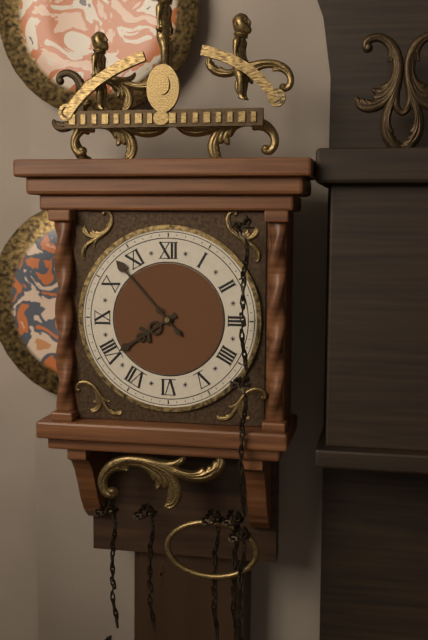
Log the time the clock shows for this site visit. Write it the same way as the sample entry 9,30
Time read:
7,53
